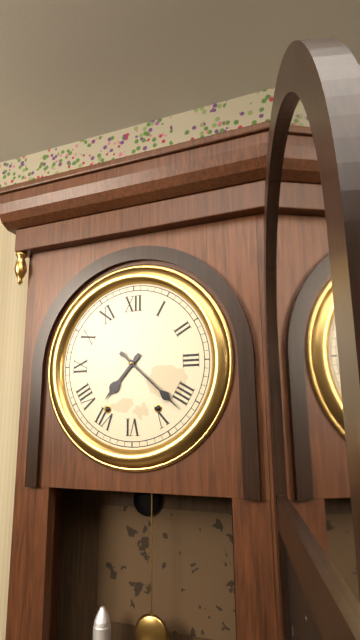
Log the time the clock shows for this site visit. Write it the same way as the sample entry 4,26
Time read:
7,22
